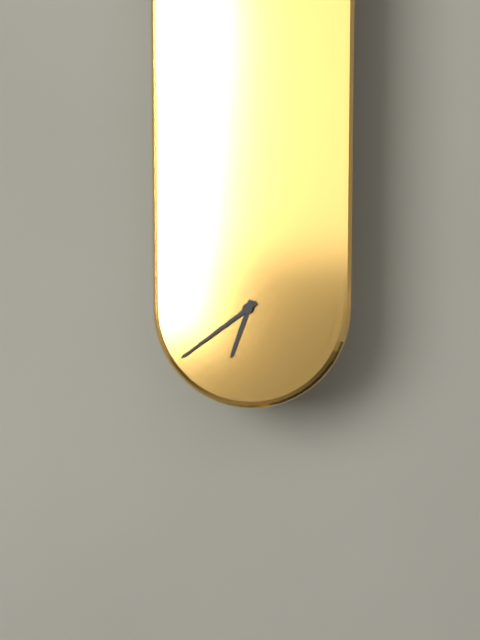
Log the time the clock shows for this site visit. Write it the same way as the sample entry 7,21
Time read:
6,39
